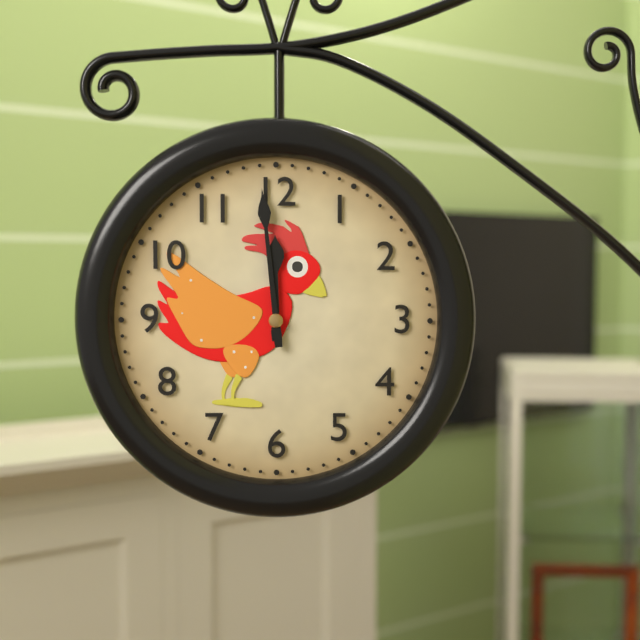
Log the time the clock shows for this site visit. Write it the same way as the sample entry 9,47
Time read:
11,59
